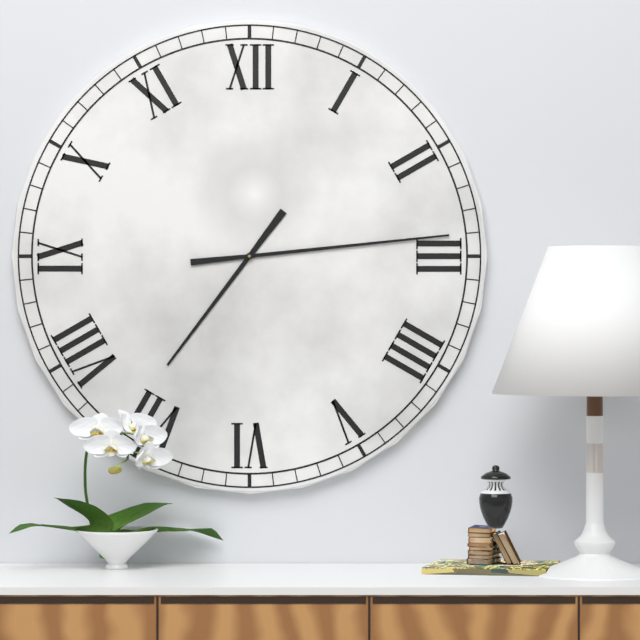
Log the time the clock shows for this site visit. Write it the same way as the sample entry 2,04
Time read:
7,14
